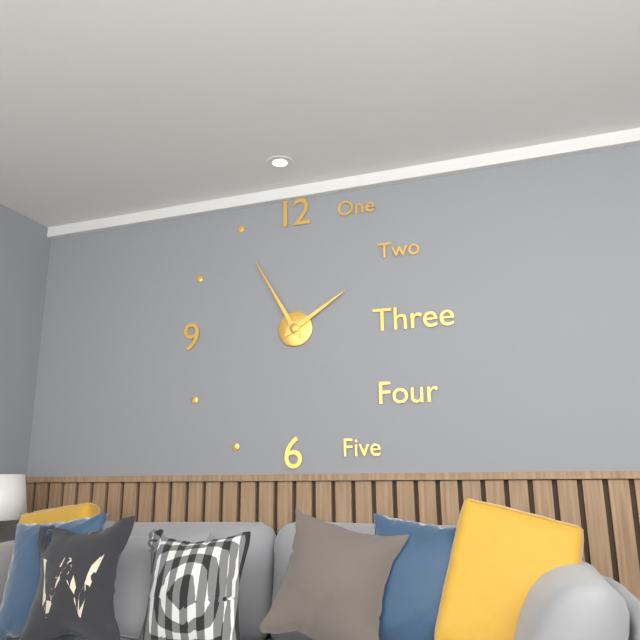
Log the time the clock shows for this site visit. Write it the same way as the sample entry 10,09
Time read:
1,55
